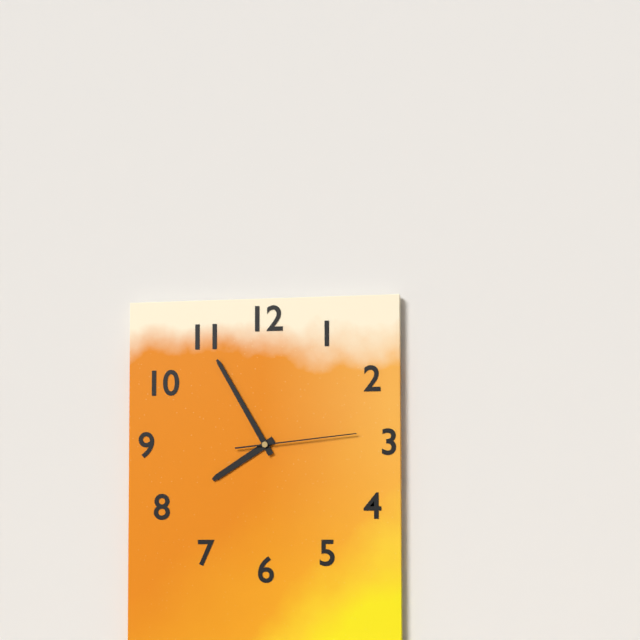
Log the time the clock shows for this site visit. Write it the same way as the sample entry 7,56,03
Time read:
7,55,14
